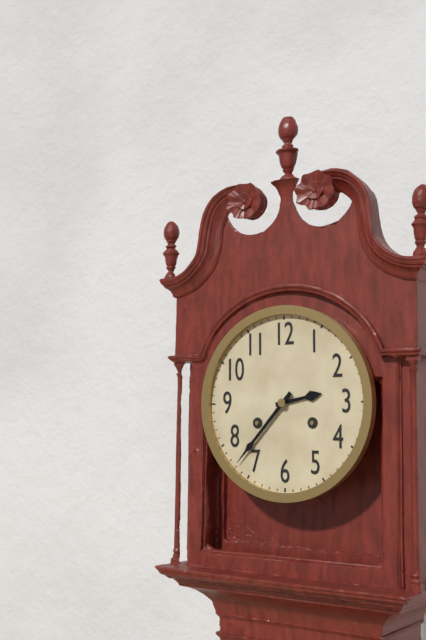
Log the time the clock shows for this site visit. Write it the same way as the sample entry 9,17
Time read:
2,37
